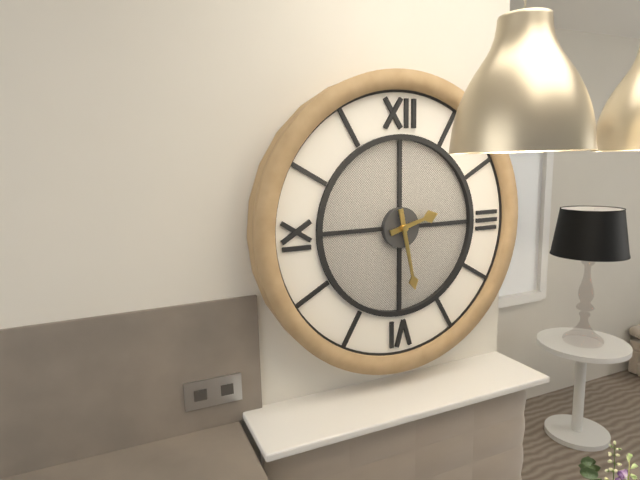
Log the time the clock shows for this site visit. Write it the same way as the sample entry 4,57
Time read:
2,28
